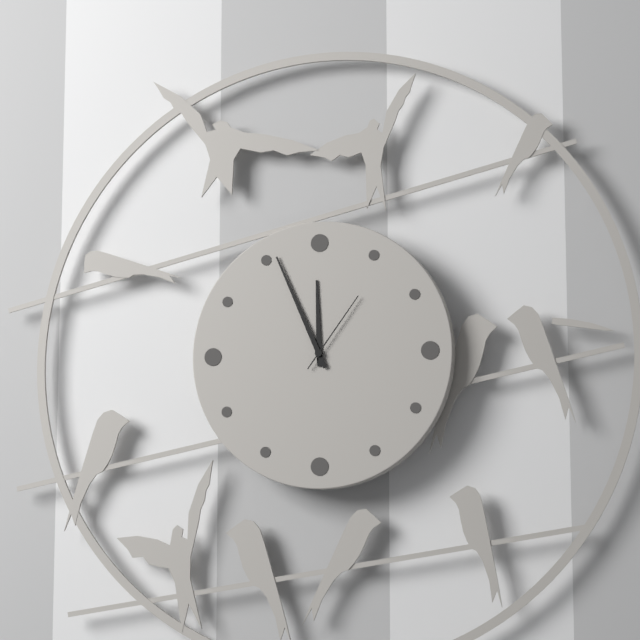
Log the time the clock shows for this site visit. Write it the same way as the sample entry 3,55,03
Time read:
11,56,06
